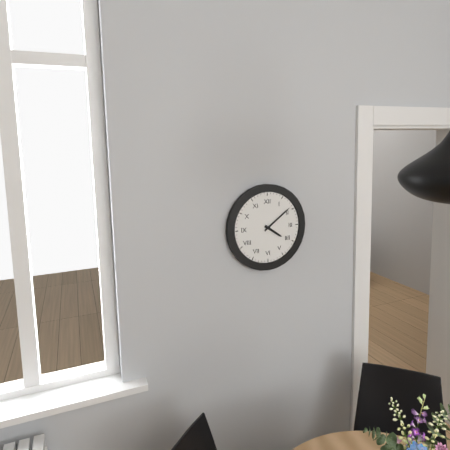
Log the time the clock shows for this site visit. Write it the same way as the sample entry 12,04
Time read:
4,09
